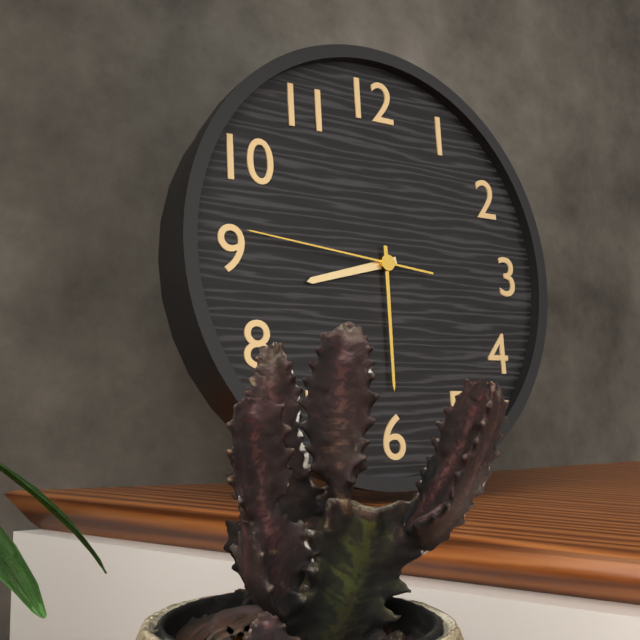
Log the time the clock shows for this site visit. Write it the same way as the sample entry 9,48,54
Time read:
8,30,46
